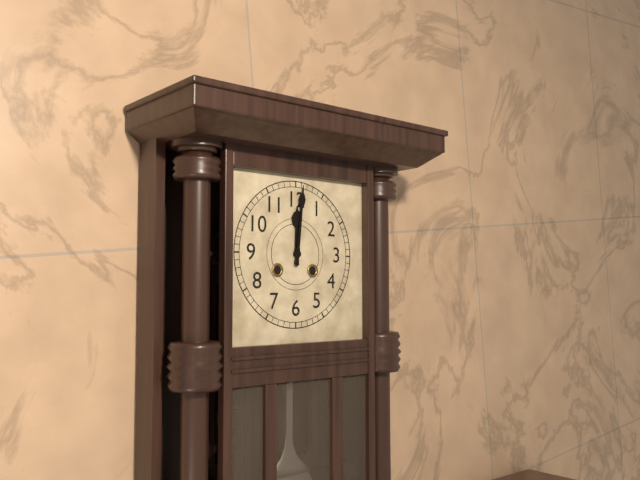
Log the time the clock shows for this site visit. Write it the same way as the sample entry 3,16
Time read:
12,01
